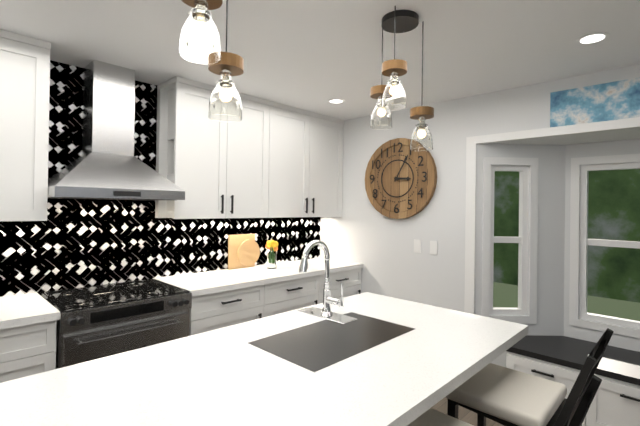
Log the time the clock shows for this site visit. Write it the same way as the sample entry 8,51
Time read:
3,05
